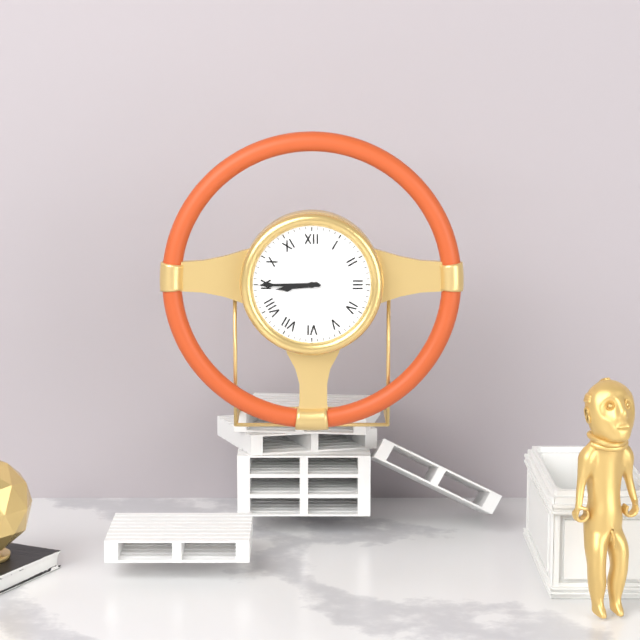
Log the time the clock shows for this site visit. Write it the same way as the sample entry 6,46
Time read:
8,45
